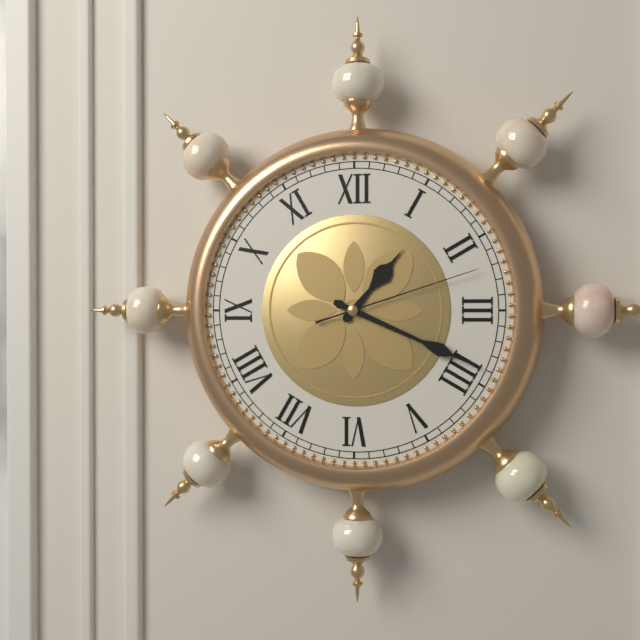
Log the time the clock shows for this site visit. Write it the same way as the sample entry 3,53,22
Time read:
1,19,12
